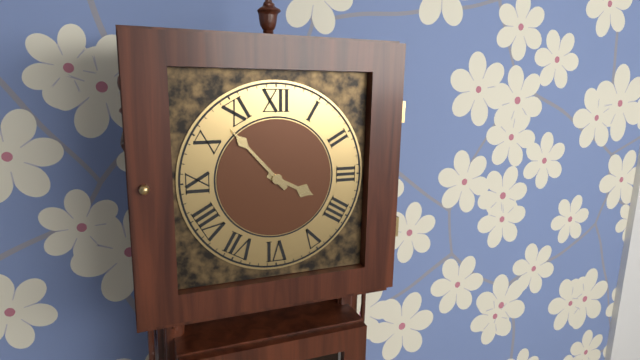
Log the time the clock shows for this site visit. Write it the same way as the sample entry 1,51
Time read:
3,53
